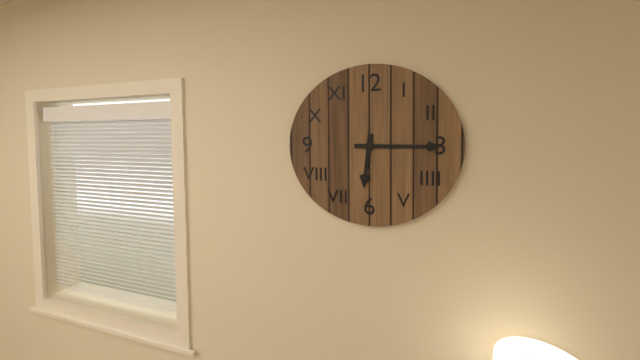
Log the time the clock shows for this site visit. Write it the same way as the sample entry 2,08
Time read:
6,15
